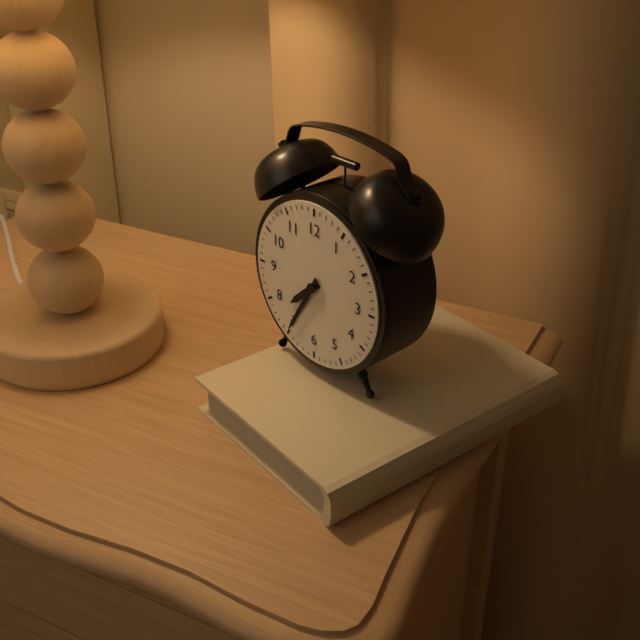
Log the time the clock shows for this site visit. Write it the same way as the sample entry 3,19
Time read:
7,35
